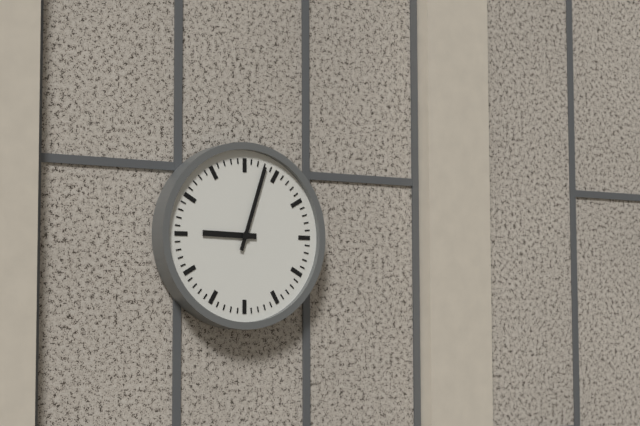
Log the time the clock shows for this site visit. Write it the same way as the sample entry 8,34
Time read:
9,03
